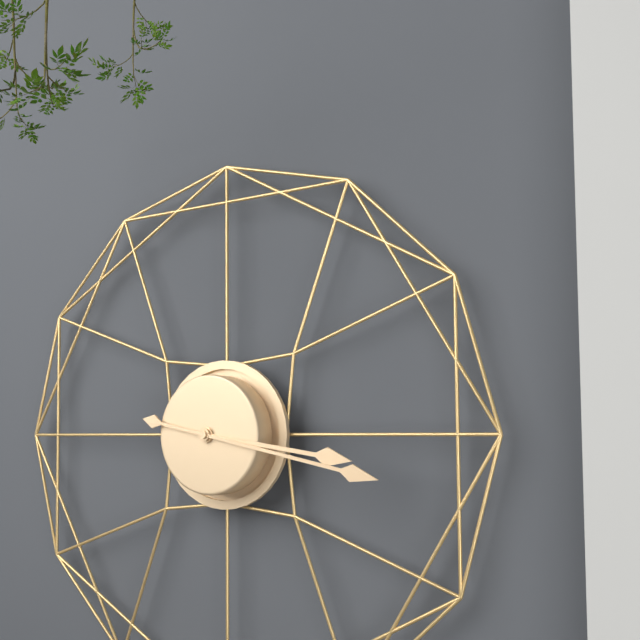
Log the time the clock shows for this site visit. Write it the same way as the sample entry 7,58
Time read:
3,17
